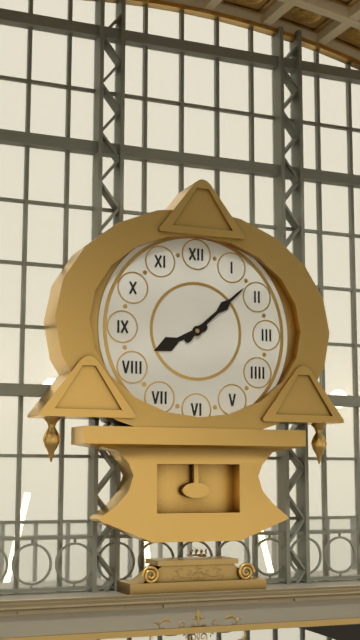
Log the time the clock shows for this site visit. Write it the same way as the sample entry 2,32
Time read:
8,08
